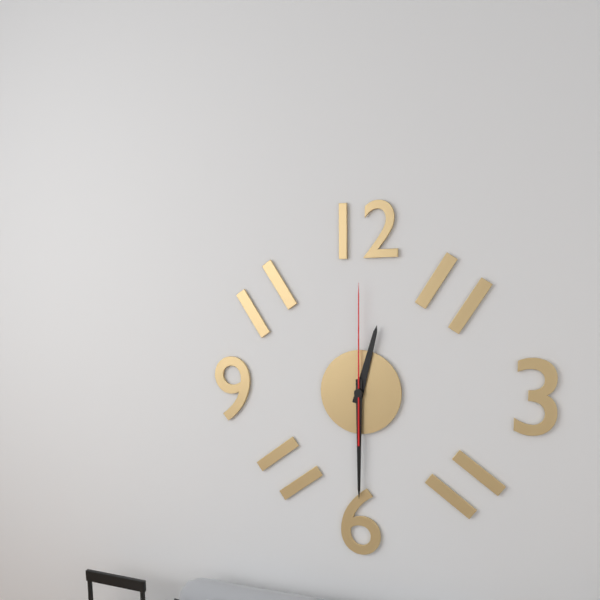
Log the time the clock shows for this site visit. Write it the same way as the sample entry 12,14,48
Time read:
12,30,00
